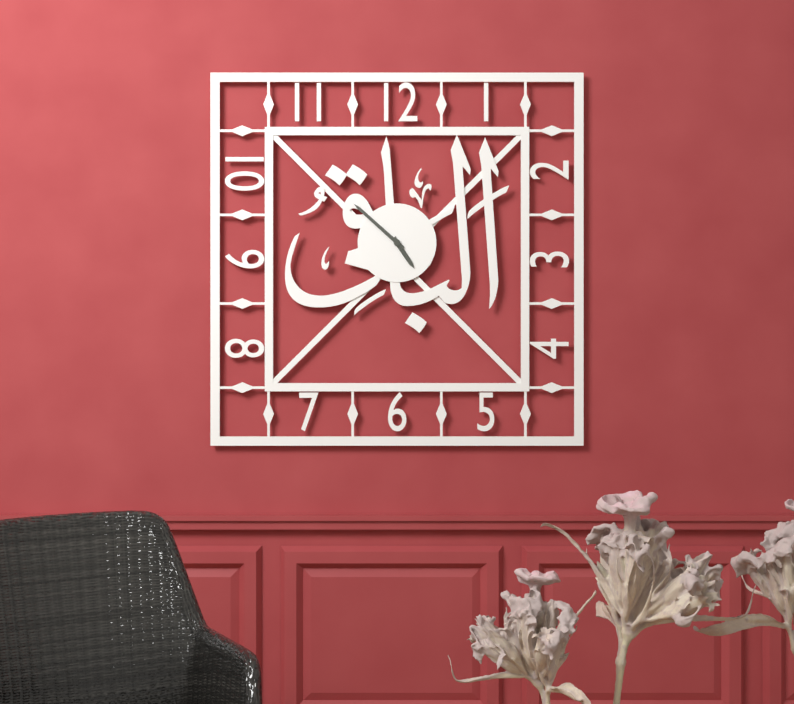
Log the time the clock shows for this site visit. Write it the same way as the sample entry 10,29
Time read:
4,52
